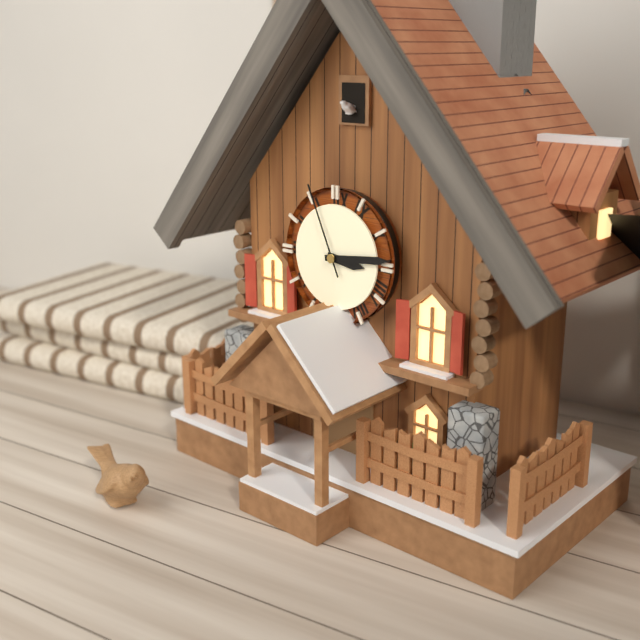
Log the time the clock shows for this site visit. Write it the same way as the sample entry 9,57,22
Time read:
3,14,56
